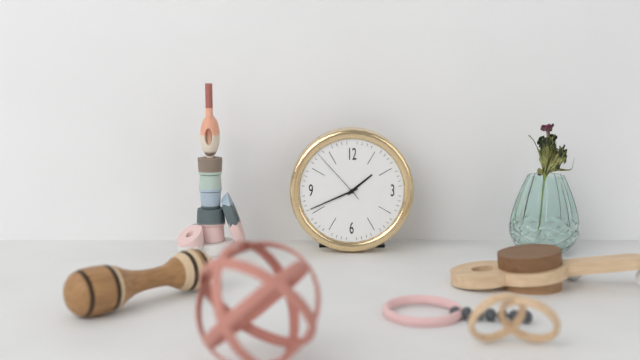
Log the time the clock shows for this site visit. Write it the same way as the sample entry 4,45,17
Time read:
1,41,53
